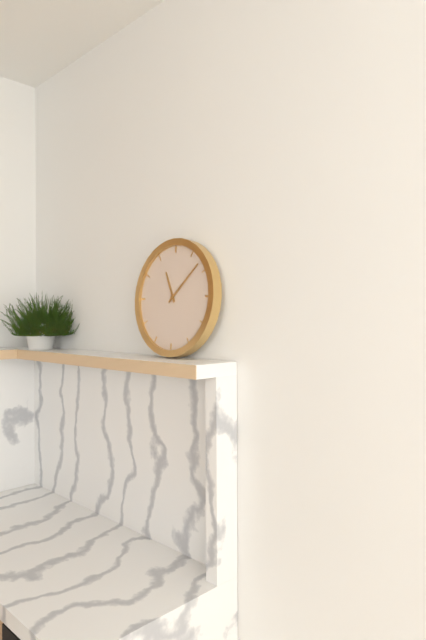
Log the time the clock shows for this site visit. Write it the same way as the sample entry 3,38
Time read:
11,08
